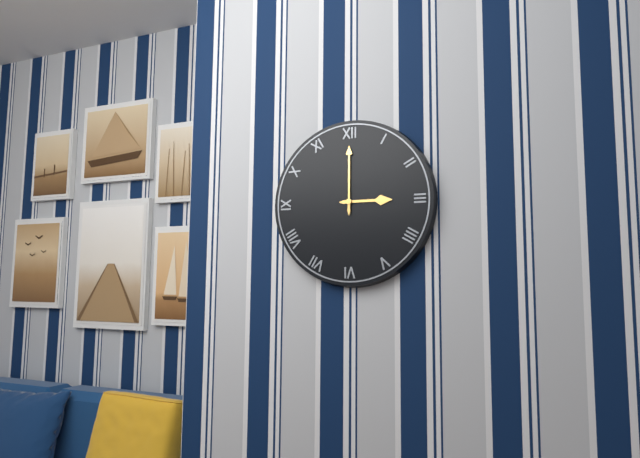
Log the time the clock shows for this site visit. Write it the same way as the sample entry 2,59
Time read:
3,00
